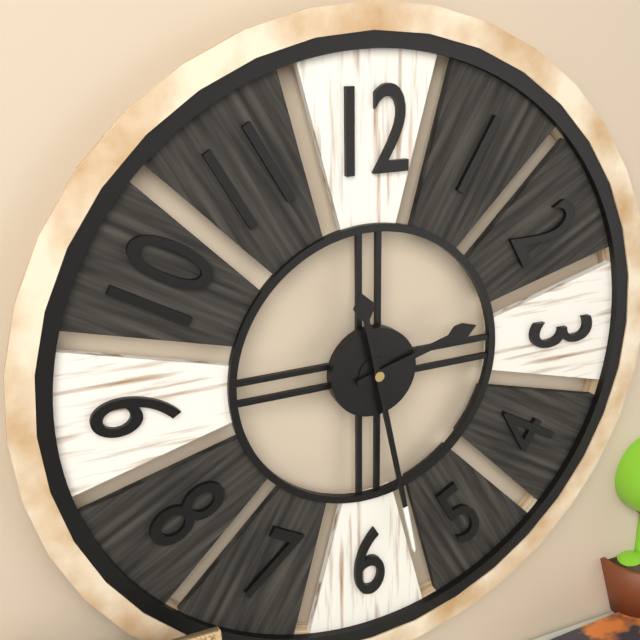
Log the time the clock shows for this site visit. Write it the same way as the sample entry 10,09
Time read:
2,28
